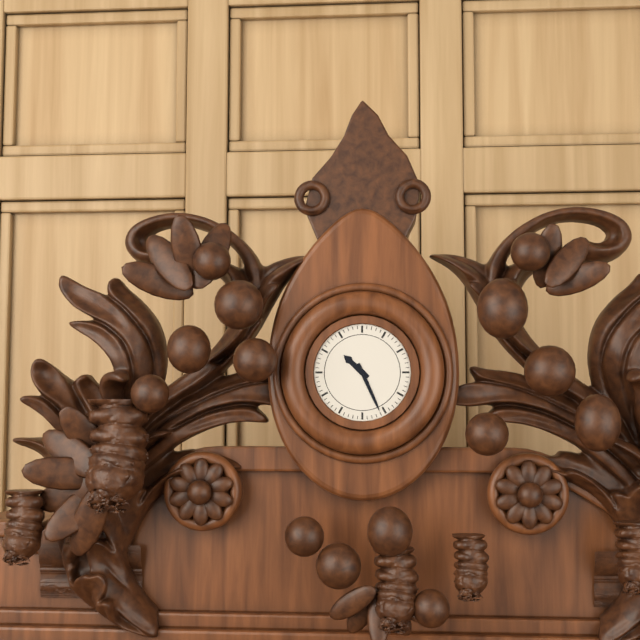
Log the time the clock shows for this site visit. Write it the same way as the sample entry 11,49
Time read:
10,26
